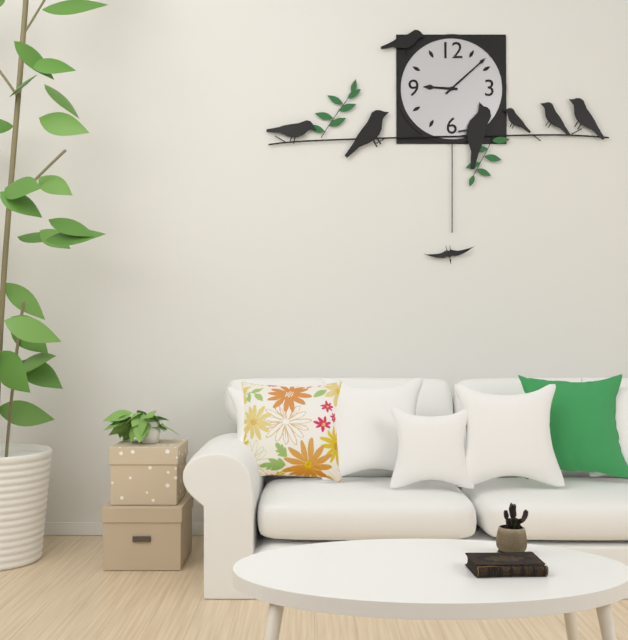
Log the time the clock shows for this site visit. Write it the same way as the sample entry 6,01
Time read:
9,08
